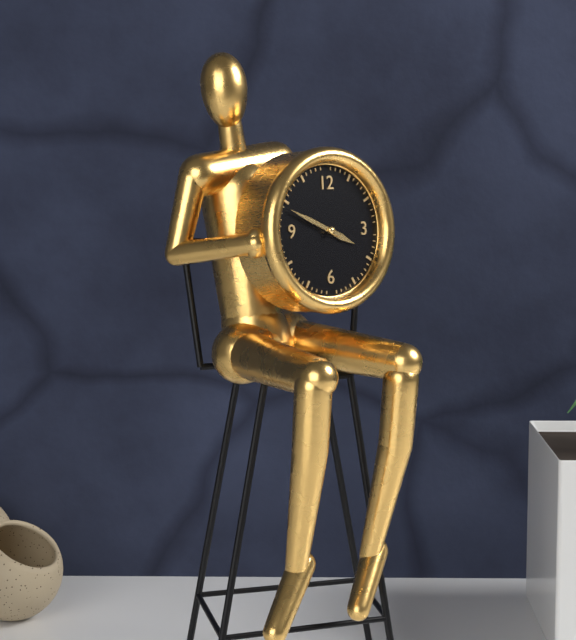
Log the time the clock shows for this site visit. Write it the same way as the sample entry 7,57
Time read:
3,49
